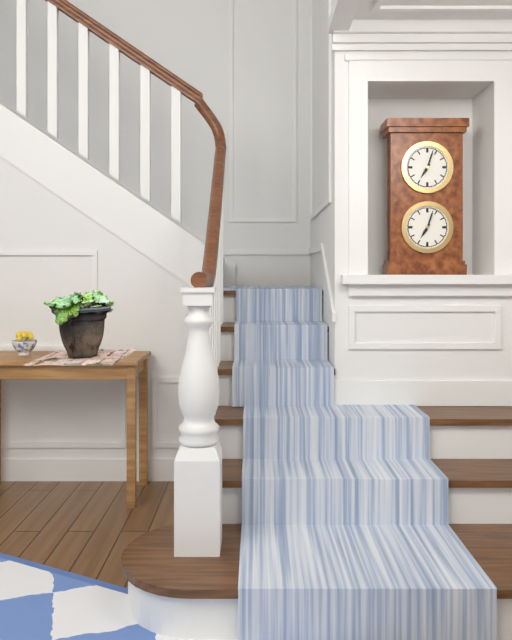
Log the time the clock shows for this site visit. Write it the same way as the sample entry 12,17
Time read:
7,03
